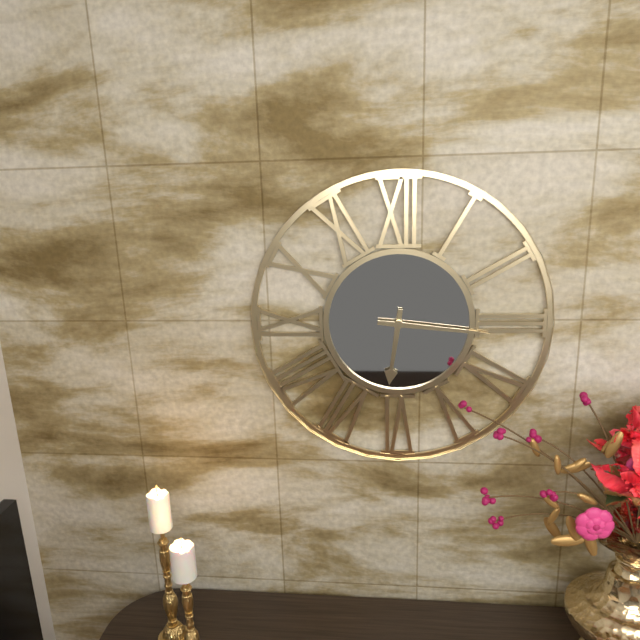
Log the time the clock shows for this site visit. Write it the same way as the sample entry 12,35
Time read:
6,16
